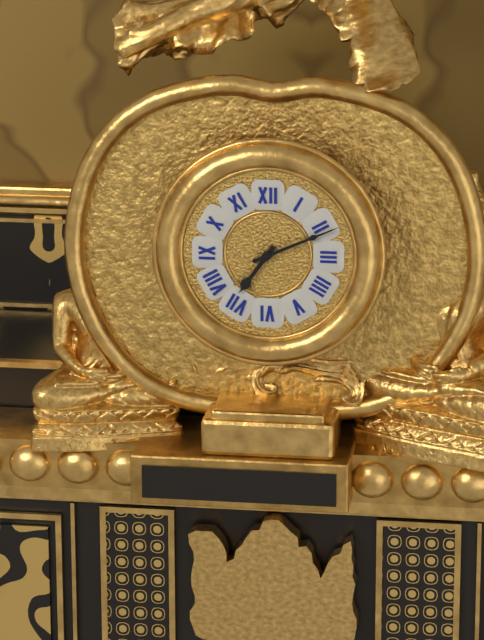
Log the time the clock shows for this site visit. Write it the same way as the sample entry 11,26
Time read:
7,11
